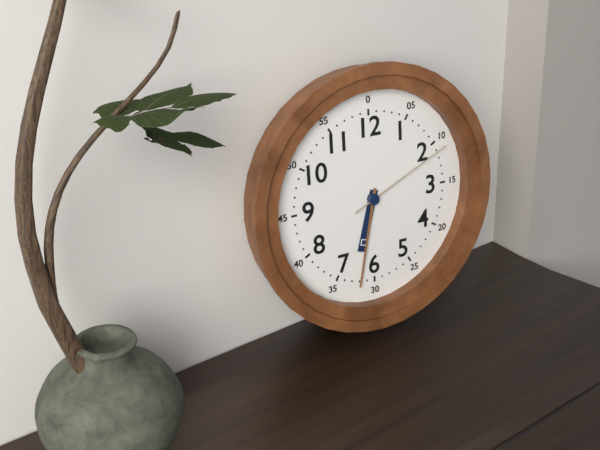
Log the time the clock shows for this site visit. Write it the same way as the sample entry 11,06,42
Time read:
6,32,11
